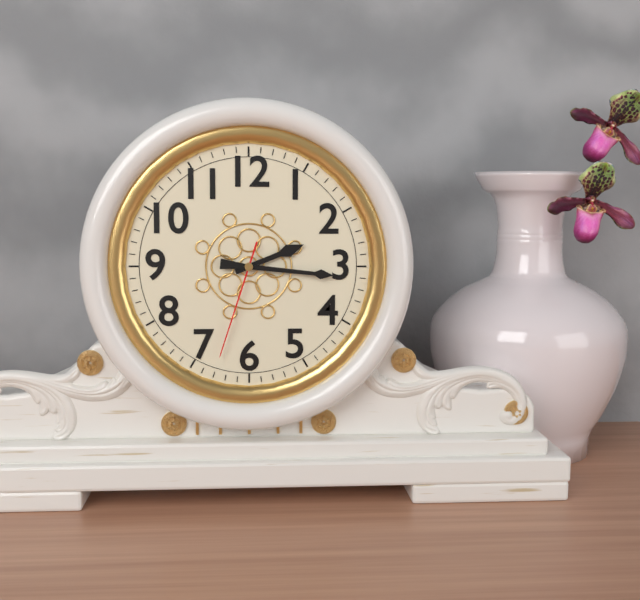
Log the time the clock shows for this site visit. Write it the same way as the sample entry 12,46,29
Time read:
2,16,33
